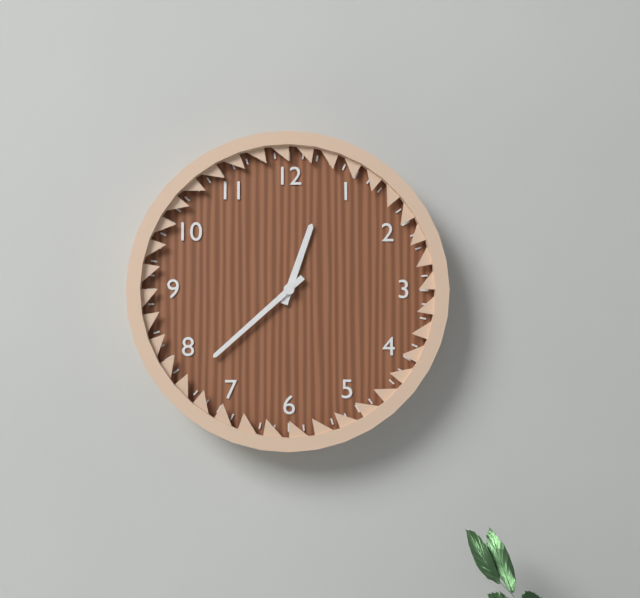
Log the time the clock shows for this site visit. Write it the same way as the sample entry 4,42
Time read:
12,38
